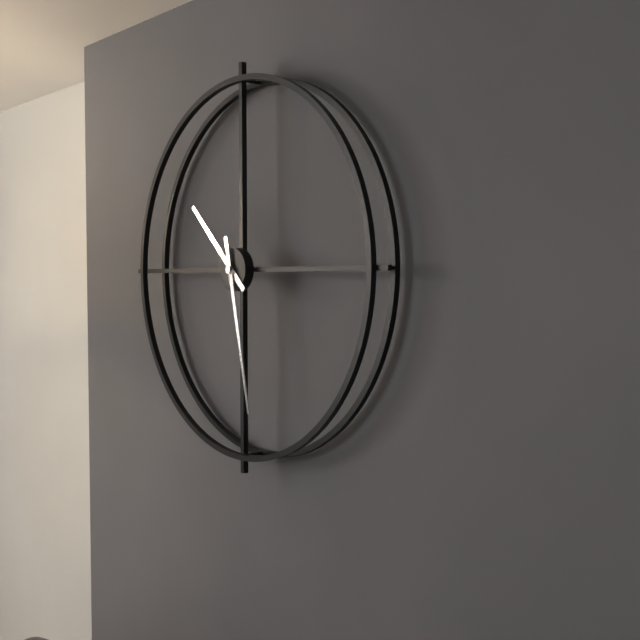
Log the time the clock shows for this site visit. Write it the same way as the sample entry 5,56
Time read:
10,28
